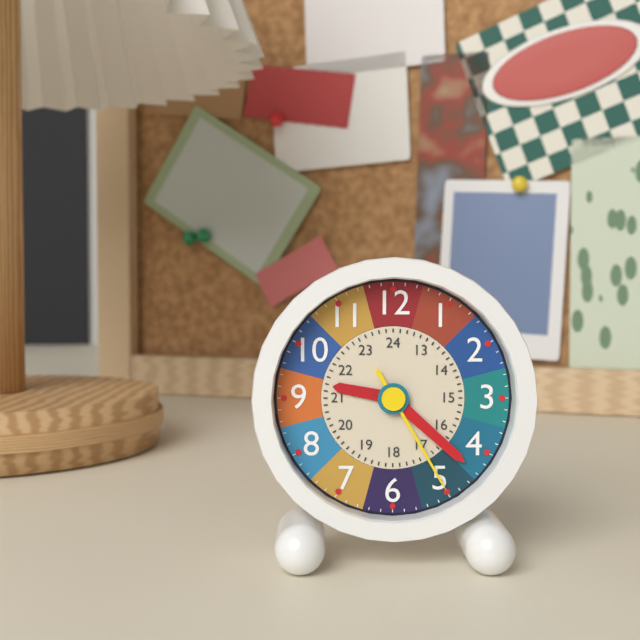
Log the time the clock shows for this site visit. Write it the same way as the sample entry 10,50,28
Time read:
9,22,25
